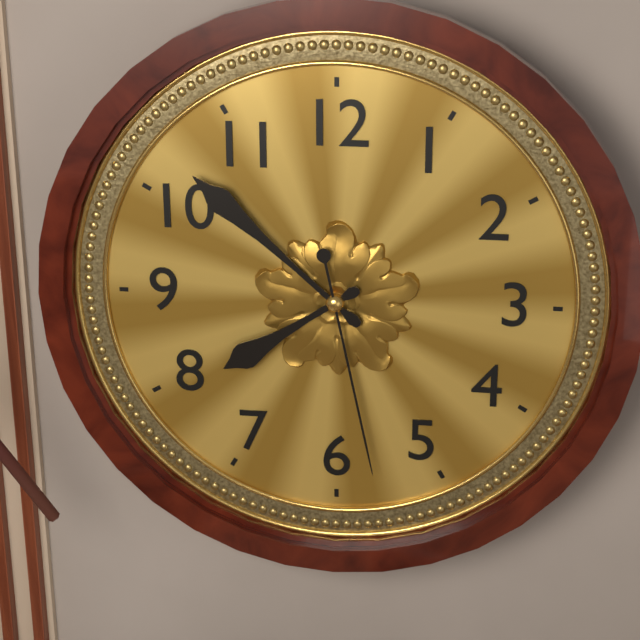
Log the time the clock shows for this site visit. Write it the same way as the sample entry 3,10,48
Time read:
7,52,28
